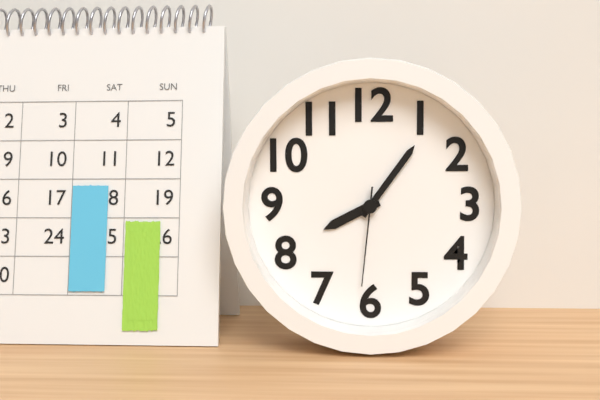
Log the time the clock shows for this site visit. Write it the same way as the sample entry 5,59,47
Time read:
8,06,31
